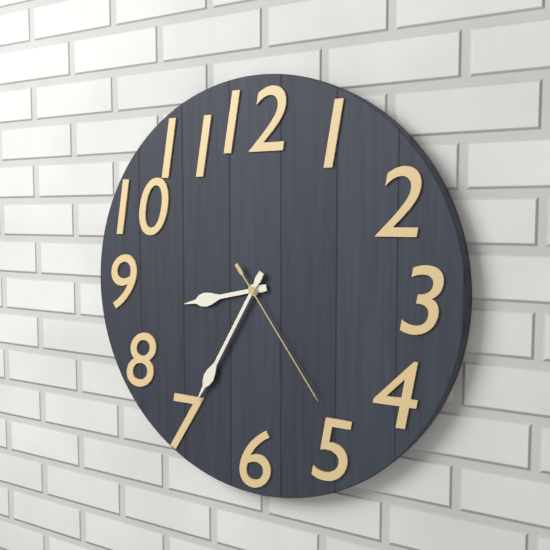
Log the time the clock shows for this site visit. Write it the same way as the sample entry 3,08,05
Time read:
8,35,24
